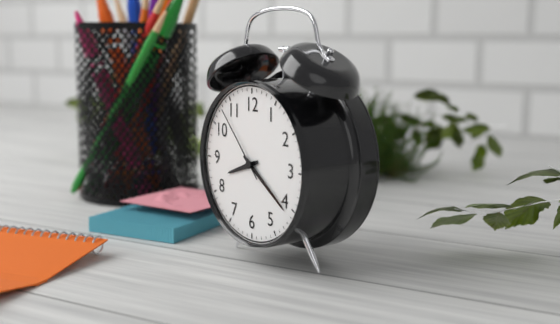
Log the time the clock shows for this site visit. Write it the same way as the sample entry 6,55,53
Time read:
8,21,53
